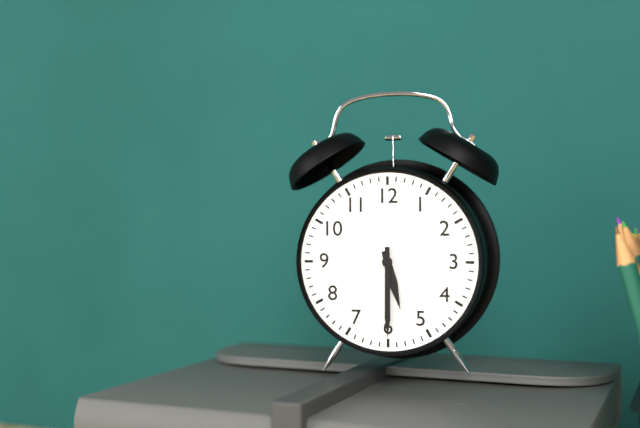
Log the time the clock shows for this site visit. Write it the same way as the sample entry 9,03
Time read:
5,30
